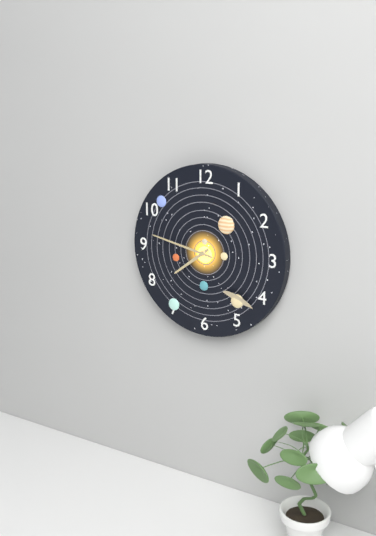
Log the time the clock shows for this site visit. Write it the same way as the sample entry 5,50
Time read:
7,47
